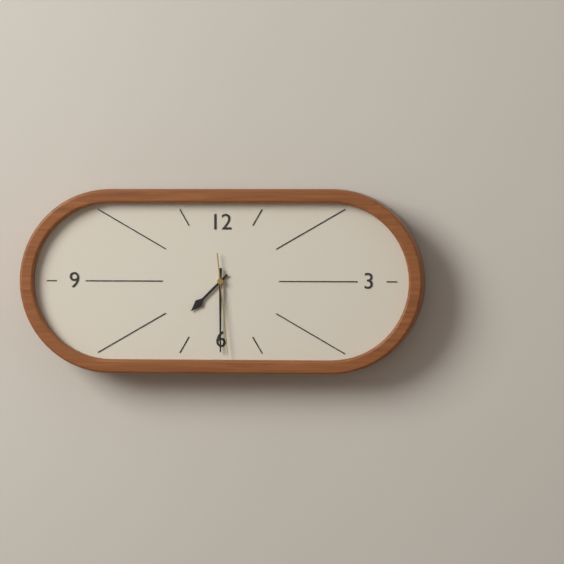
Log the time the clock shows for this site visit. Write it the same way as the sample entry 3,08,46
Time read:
7,30,29
